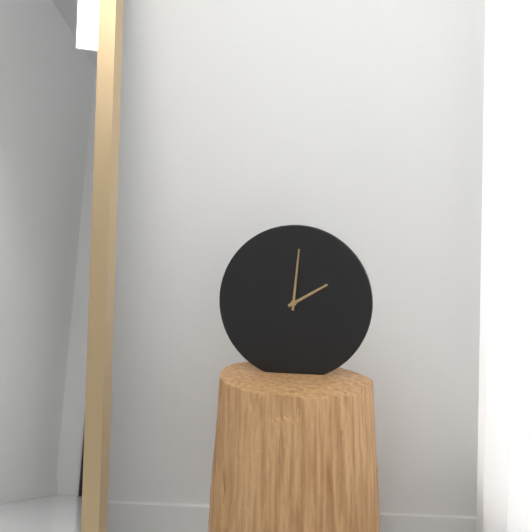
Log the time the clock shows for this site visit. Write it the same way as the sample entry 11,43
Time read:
2,01
